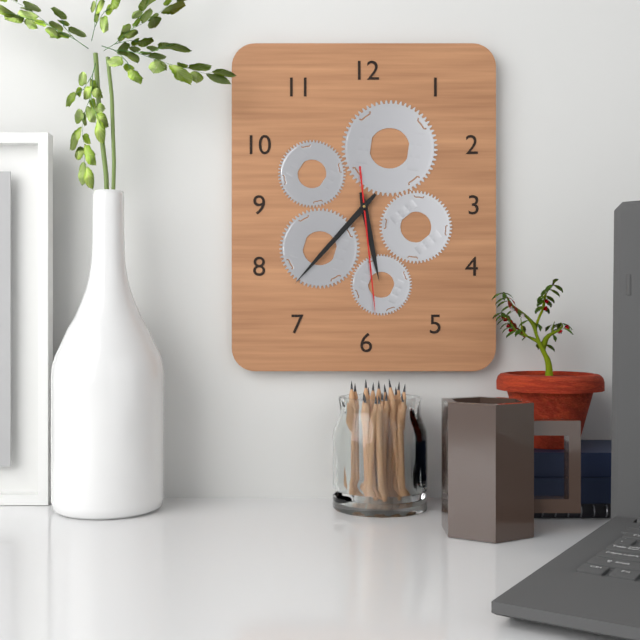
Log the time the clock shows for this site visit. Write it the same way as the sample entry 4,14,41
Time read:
5,37,29
